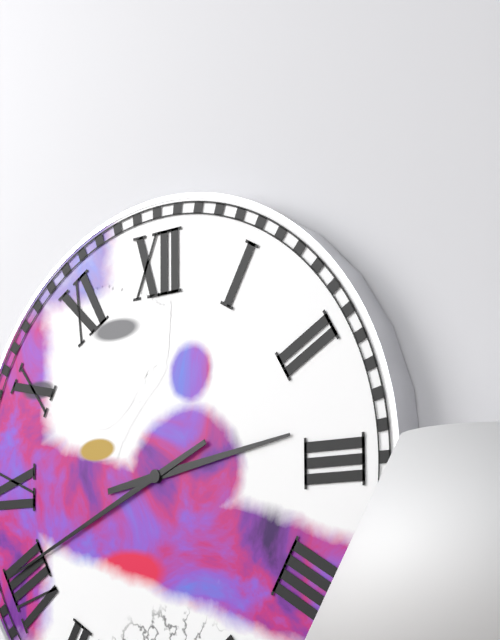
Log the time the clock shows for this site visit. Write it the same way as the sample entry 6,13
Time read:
2,41
